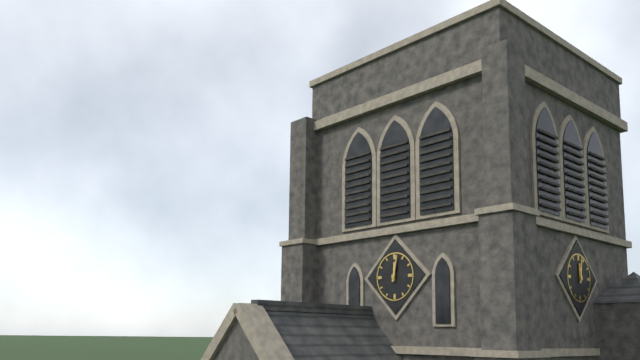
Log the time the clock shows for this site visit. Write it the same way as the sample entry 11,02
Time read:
12,02
